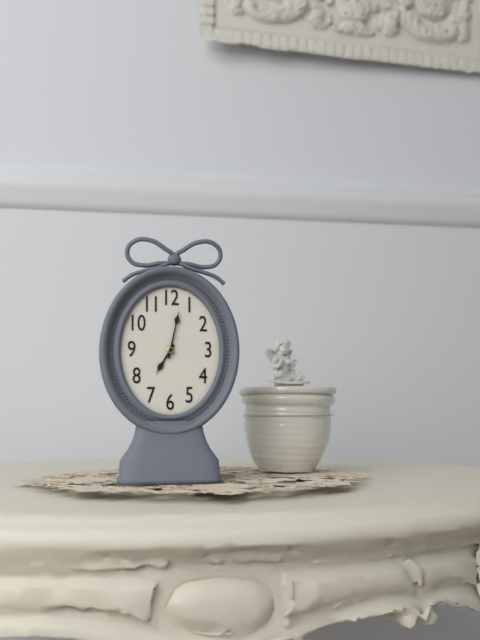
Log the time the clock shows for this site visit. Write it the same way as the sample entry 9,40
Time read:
7,02
